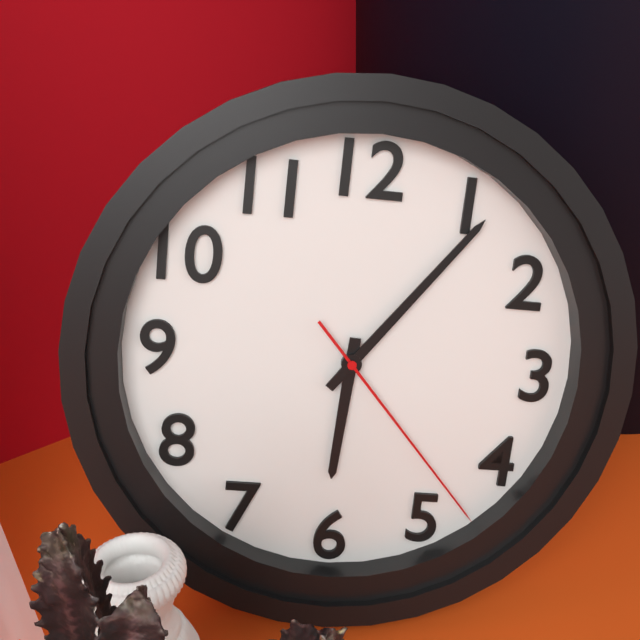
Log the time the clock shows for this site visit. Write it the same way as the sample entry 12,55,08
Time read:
6,06,23
